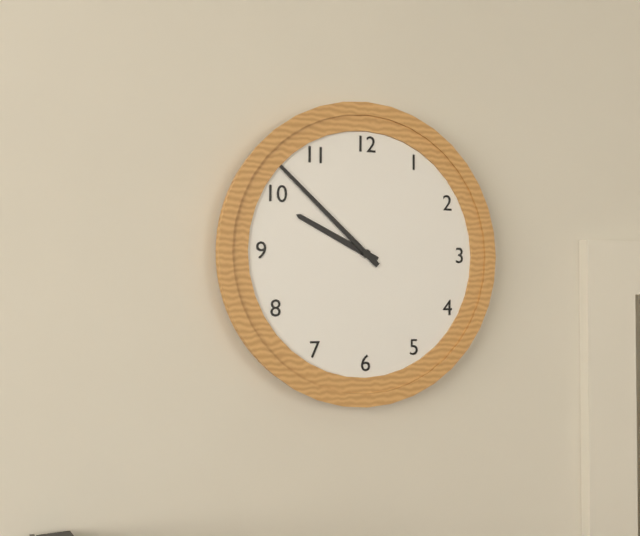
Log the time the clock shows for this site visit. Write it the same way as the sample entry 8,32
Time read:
9,52
